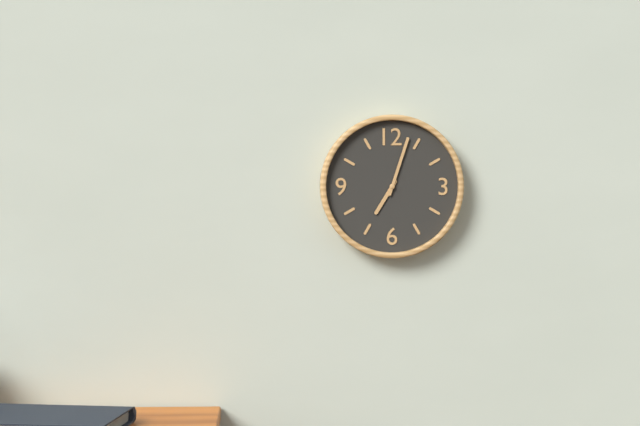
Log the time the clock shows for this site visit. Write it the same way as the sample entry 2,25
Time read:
7,03
